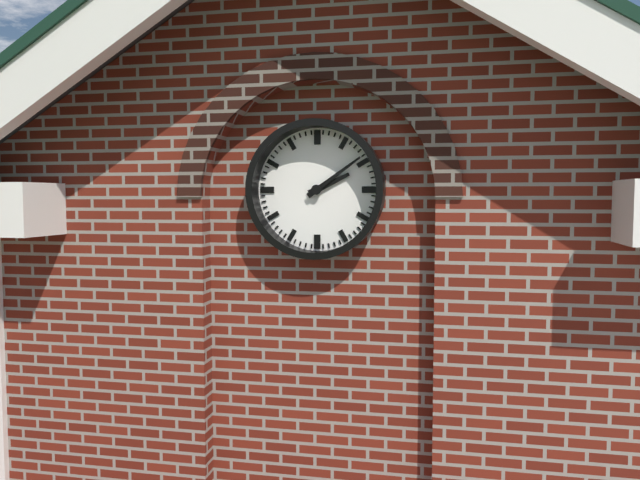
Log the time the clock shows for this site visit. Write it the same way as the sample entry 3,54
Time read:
2,09
